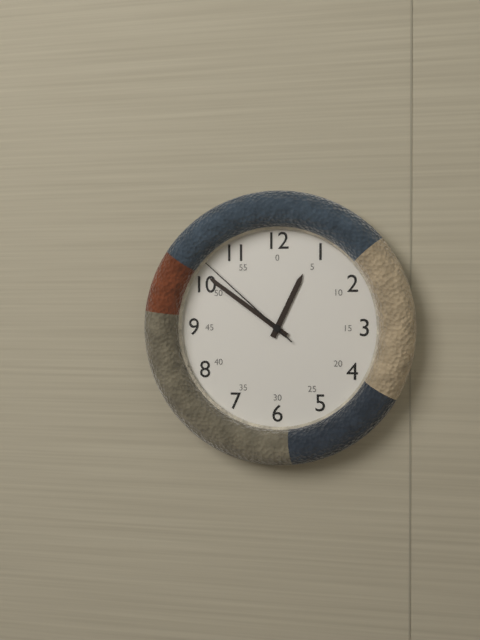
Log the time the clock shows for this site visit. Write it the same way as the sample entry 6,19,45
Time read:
12,51,52
